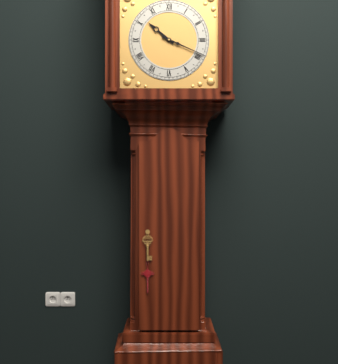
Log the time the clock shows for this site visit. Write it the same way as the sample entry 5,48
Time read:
10,19
